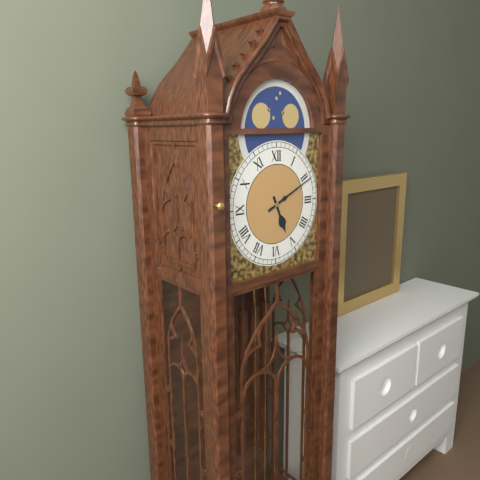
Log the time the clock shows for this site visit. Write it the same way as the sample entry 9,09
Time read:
5,11
